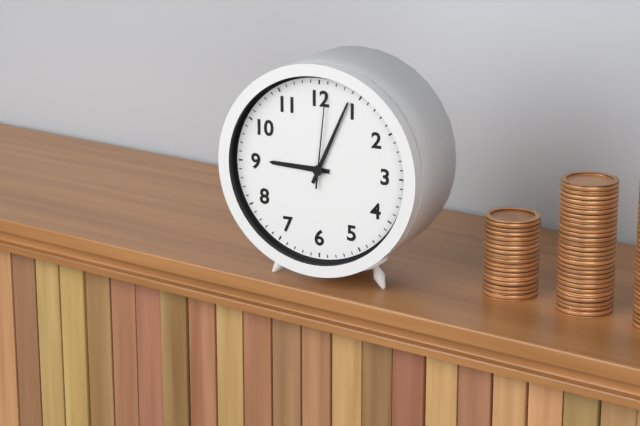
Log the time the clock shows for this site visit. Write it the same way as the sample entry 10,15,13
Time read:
9,04,01
